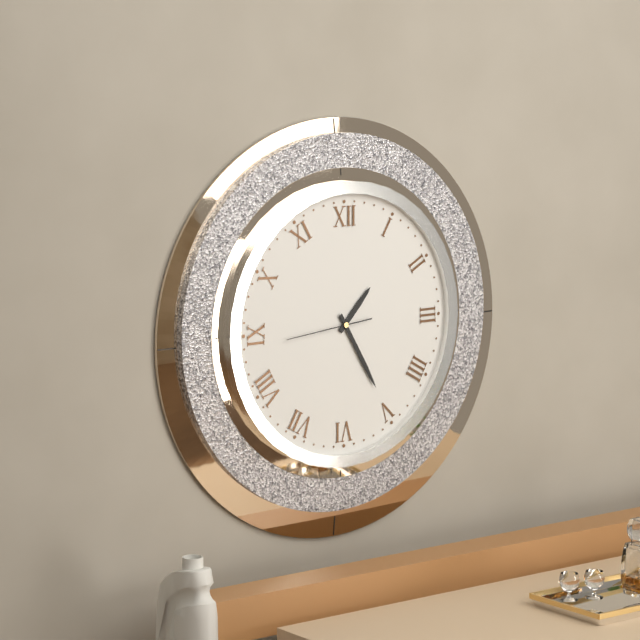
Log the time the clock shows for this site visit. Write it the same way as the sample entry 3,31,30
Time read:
1,25,44
